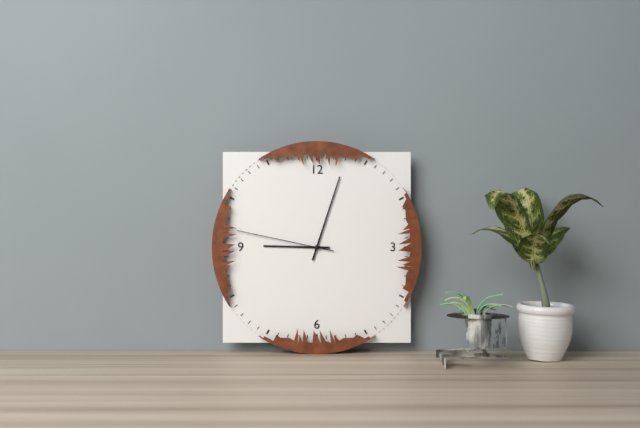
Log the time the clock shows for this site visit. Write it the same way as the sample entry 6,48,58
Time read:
9,03,47
